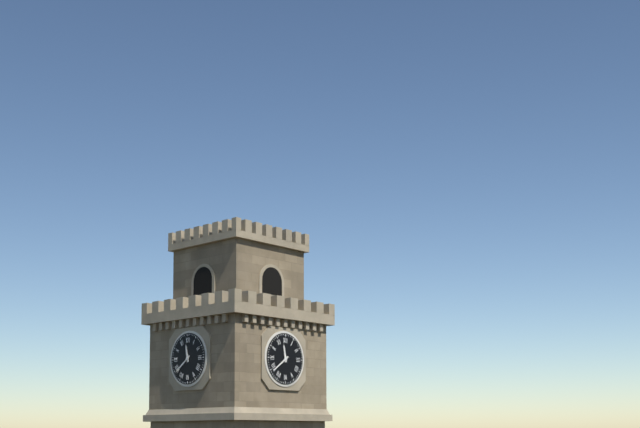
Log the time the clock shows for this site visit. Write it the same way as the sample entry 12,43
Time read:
11,39
